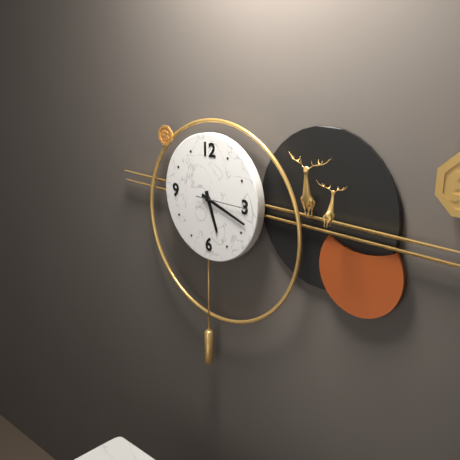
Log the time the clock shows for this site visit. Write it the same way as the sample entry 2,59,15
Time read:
5,18,15
